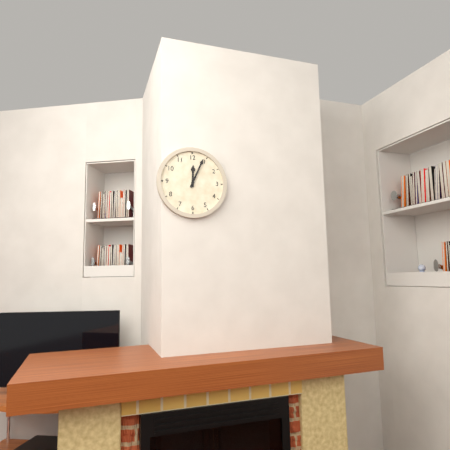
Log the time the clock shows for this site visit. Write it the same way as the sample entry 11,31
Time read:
12,04
